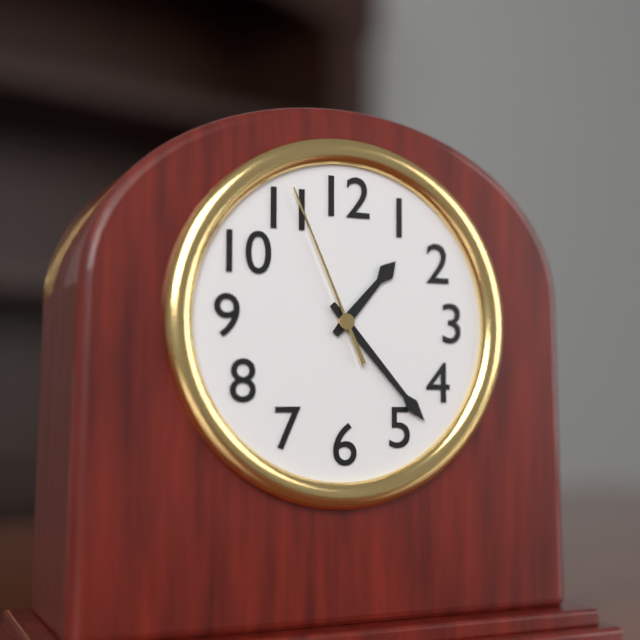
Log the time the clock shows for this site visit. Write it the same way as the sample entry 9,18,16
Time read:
1,23,56
